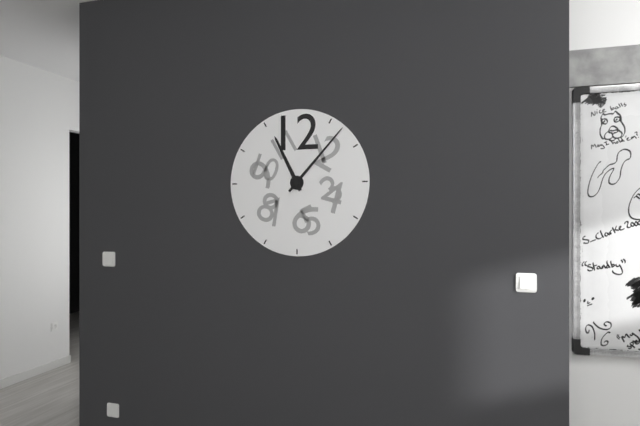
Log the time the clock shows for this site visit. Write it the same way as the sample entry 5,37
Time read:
11,07
